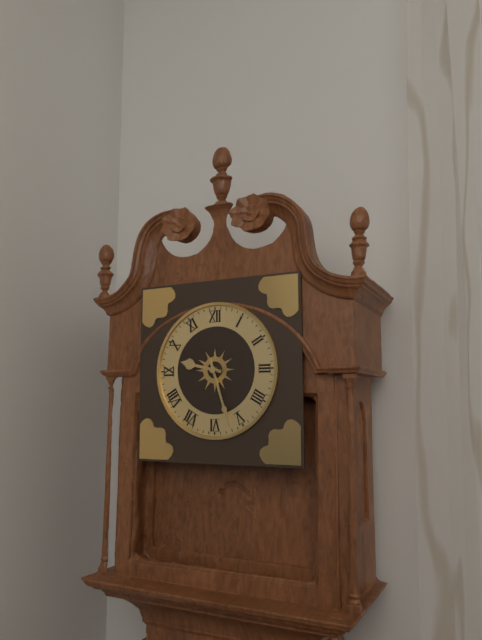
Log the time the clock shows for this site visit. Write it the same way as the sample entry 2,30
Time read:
9,27
